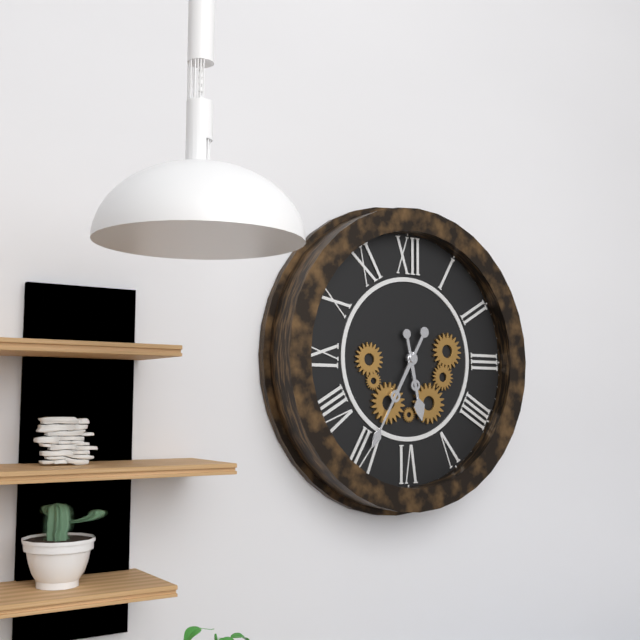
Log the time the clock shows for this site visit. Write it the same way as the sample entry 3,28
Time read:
5,35
